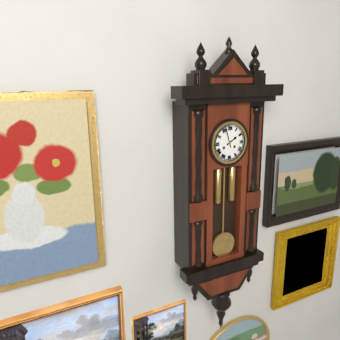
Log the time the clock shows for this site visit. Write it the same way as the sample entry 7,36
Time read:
1,57
